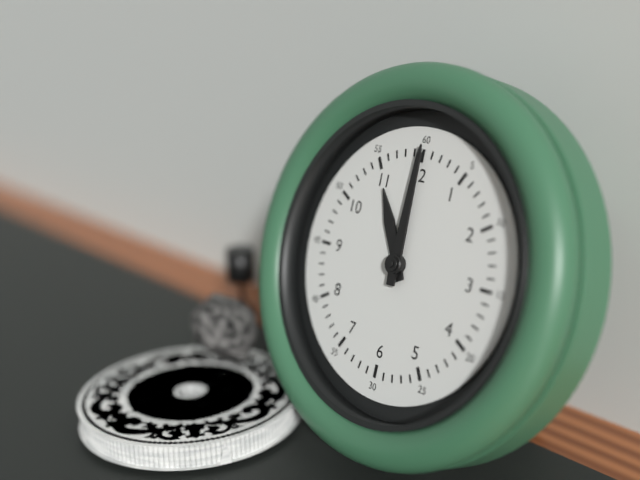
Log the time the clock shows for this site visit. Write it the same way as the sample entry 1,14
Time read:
11,00
